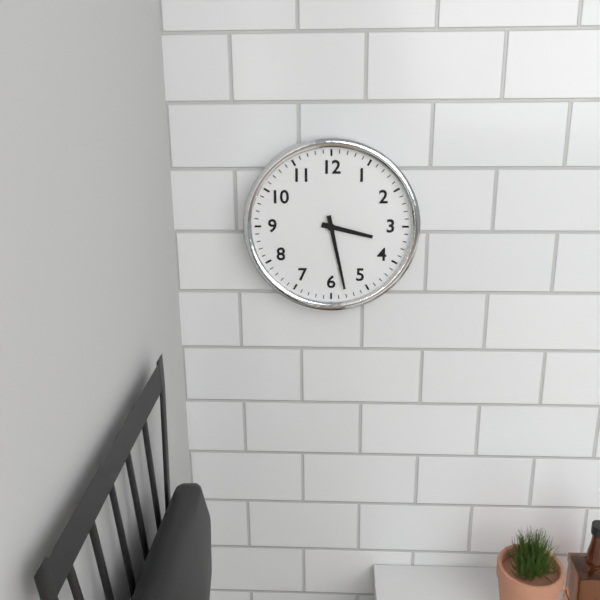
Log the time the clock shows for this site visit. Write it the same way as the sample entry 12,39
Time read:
3,28
